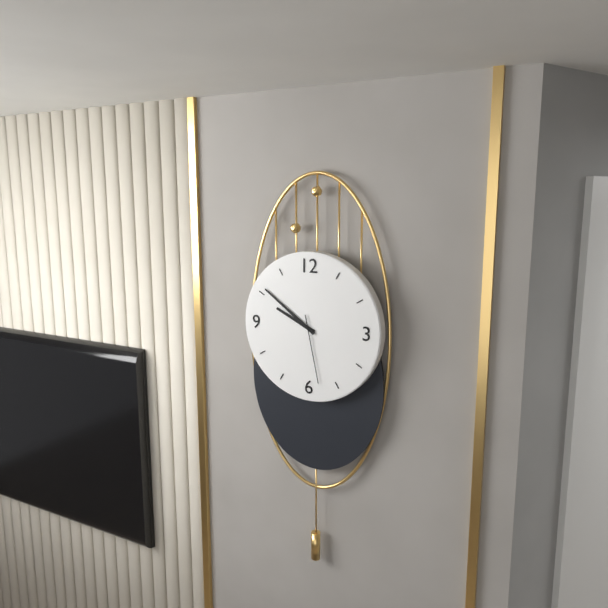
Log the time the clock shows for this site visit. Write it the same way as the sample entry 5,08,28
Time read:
9,51,28
